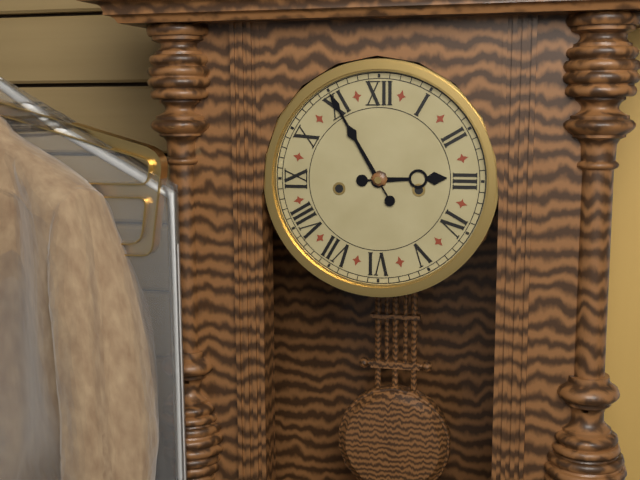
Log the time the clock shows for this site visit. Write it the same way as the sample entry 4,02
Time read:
2,55
